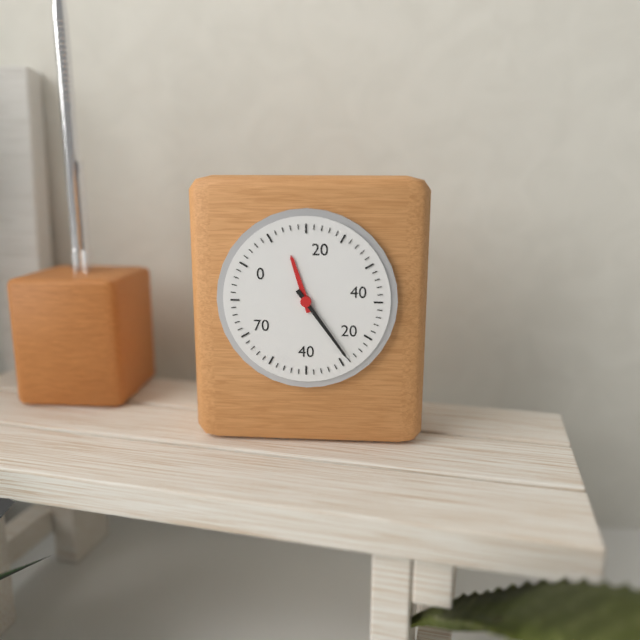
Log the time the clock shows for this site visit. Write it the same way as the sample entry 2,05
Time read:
11,24
